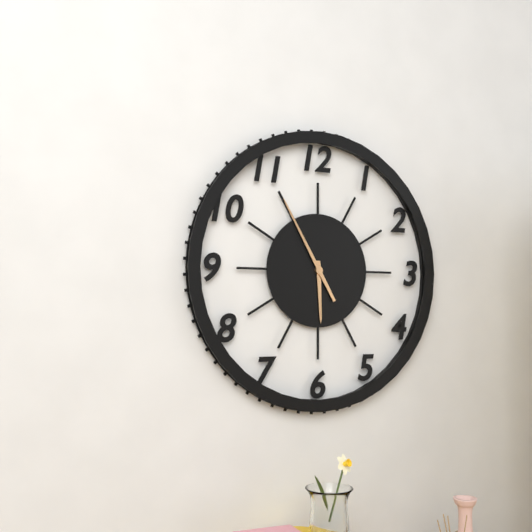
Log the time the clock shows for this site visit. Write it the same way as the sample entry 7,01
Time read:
5,55
